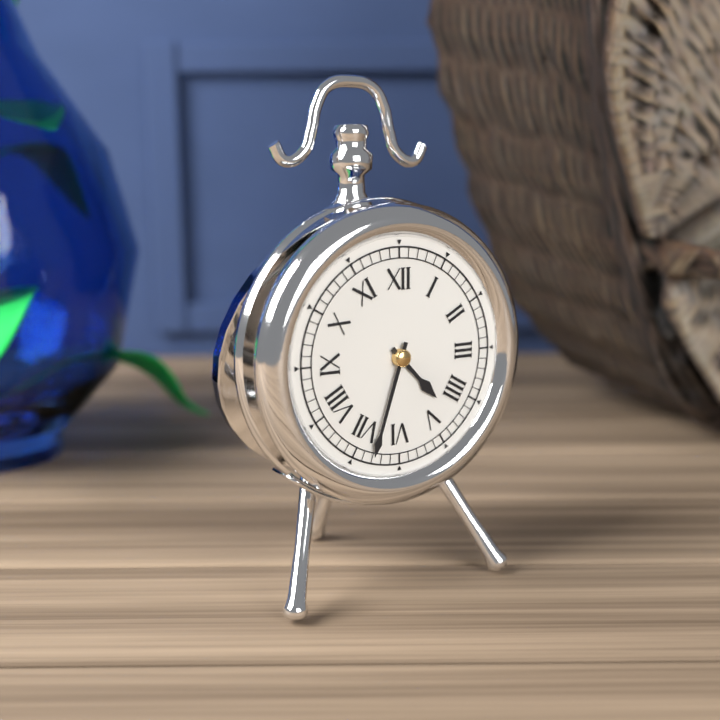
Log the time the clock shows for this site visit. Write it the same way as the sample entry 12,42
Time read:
4,33
